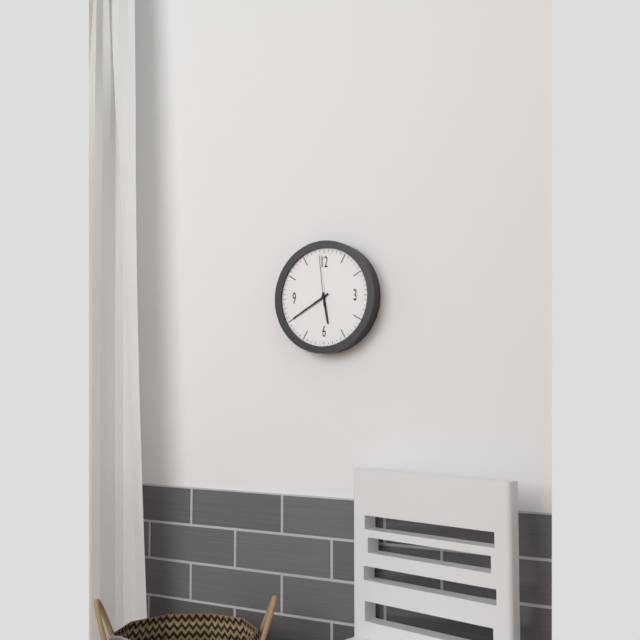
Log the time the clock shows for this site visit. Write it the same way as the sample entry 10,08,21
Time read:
5,40,59
